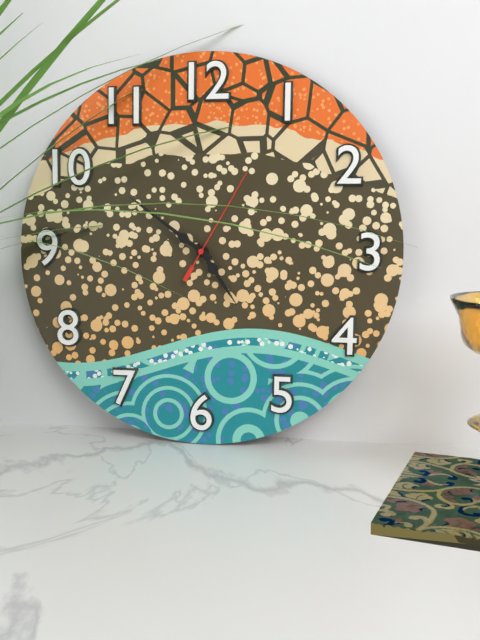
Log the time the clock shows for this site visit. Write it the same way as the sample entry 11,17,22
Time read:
4,51,05
